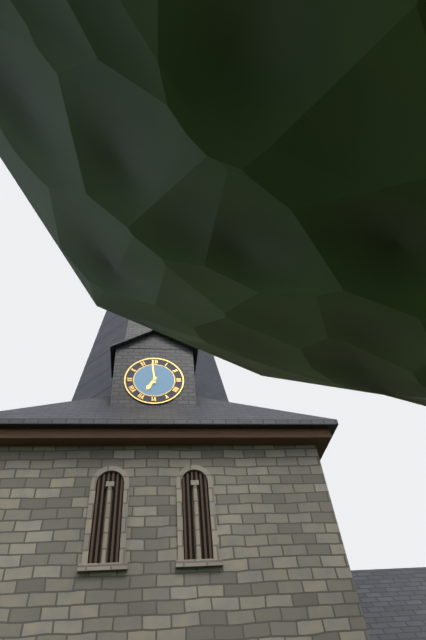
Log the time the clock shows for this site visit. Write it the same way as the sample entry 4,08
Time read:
6,59
